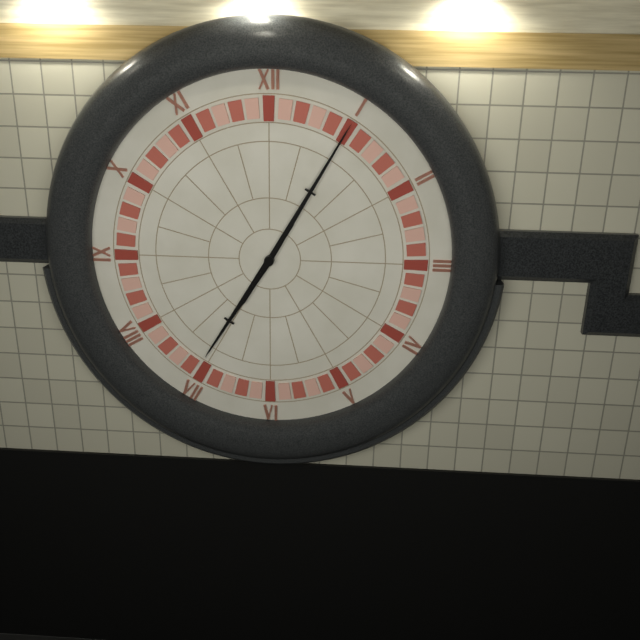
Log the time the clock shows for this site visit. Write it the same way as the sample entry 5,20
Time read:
7,05
